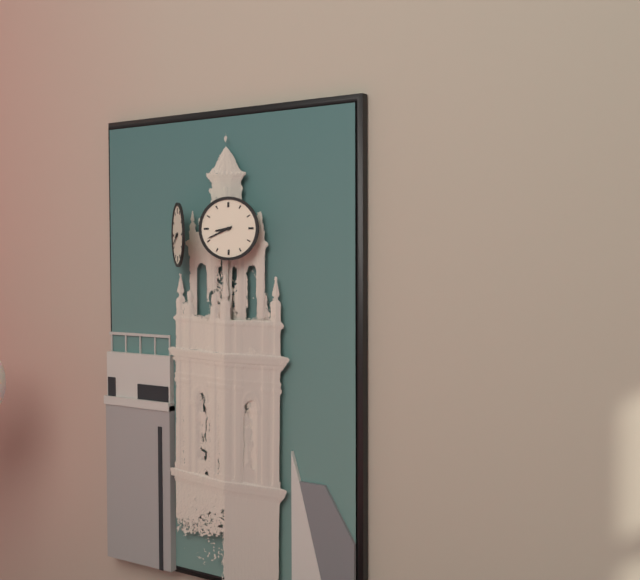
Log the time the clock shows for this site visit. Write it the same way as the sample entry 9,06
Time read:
8,41
